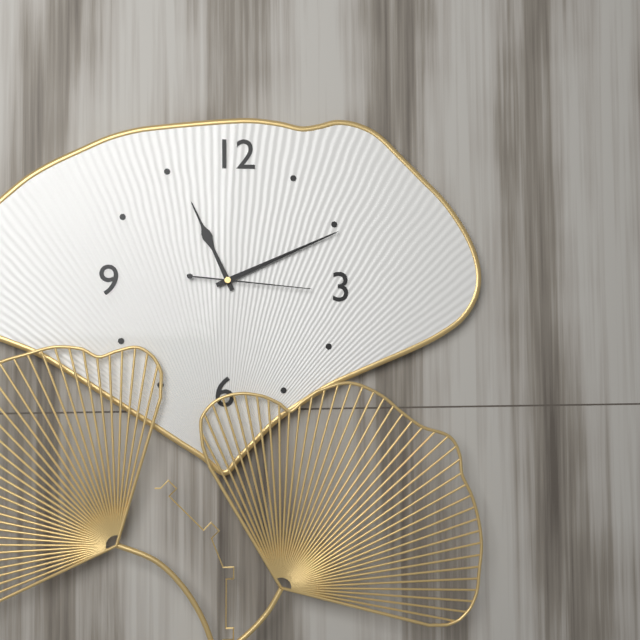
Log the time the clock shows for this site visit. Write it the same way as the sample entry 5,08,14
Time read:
11,11,16
